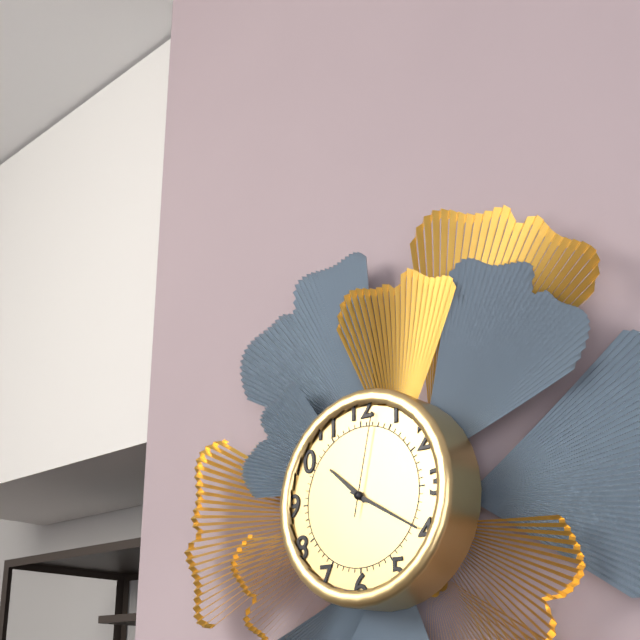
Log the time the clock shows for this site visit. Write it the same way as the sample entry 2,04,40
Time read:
10,20,02
